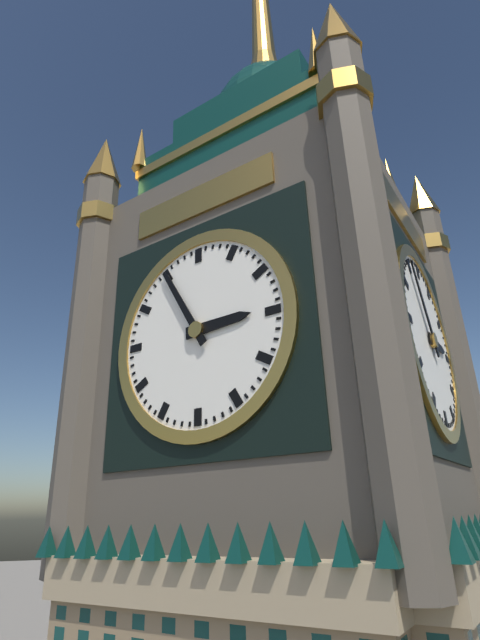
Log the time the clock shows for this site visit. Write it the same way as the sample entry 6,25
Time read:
2,55
